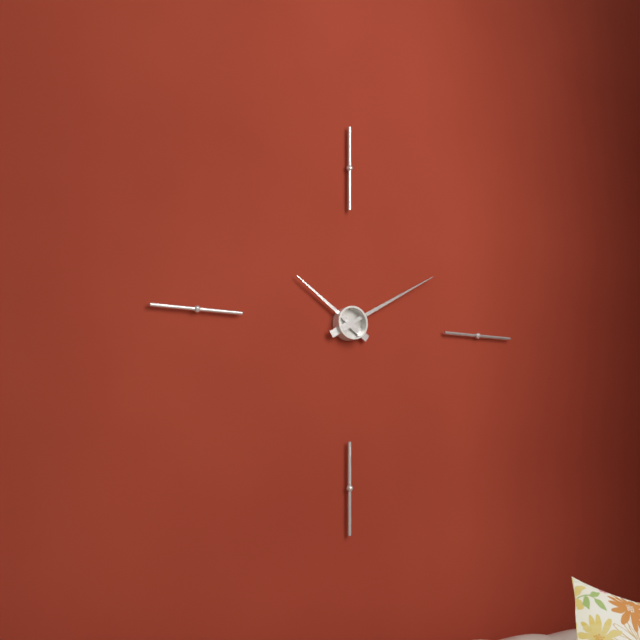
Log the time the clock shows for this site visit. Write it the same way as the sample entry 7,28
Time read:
10,10
